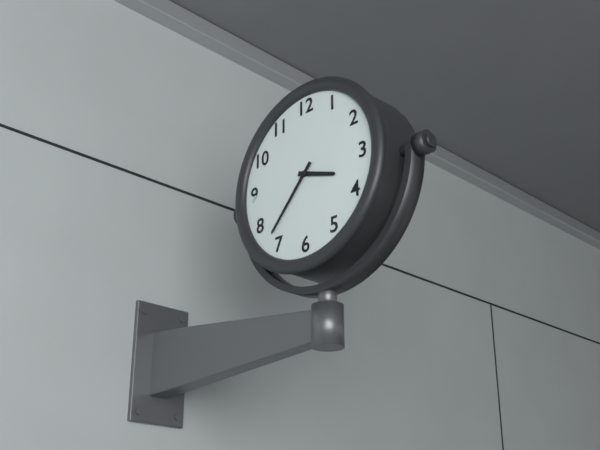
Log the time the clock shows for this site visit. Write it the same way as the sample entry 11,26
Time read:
3,37
